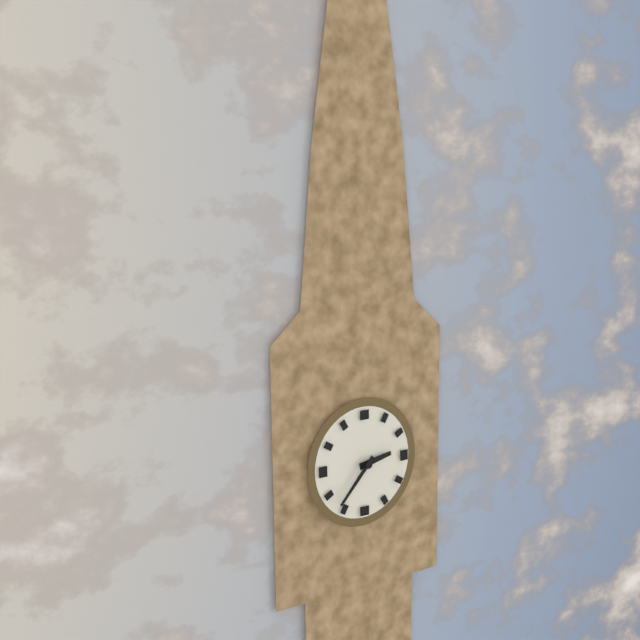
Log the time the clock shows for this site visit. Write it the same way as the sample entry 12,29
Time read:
2,37
